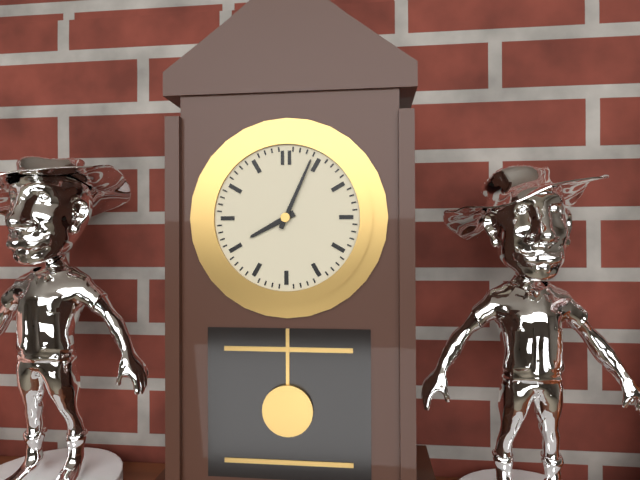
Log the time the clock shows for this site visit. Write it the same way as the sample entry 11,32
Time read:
8,04
